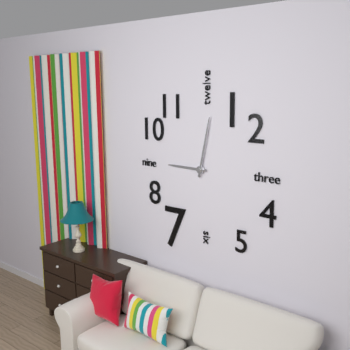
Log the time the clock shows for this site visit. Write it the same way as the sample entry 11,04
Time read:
9,02
